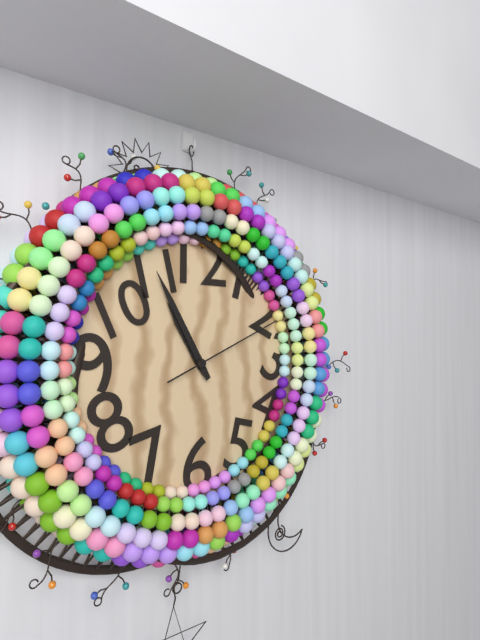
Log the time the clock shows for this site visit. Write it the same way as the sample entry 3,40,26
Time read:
10,55,11
